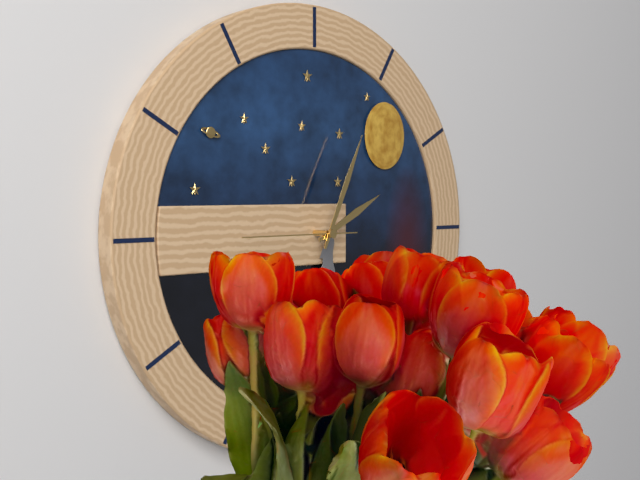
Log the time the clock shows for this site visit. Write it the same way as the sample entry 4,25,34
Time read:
2,04,45
